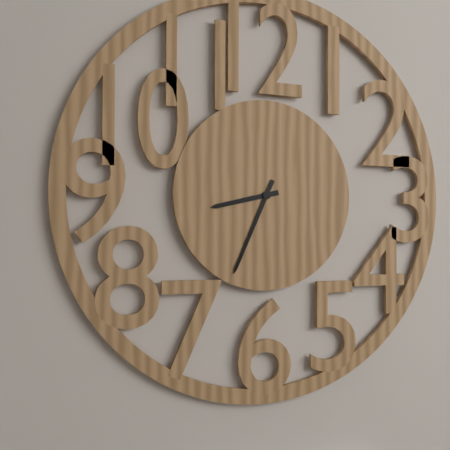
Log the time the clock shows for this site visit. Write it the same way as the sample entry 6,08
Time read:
8,34
